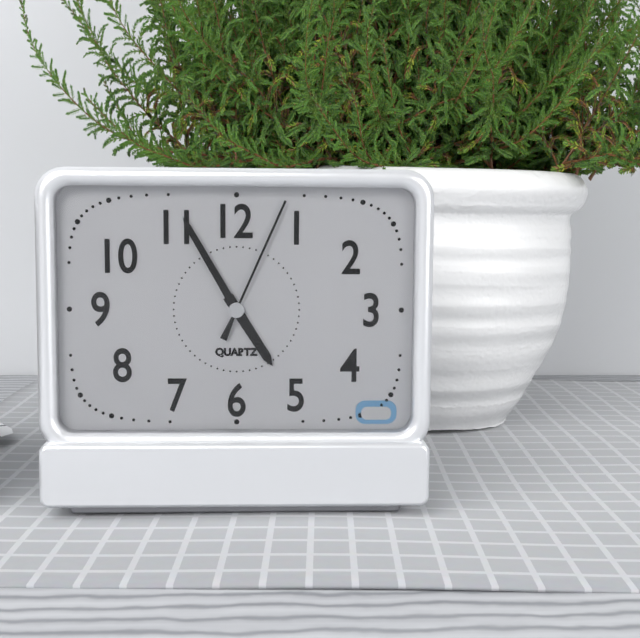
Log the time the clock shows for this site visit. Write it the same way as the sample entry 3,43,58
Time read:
4,55,04
